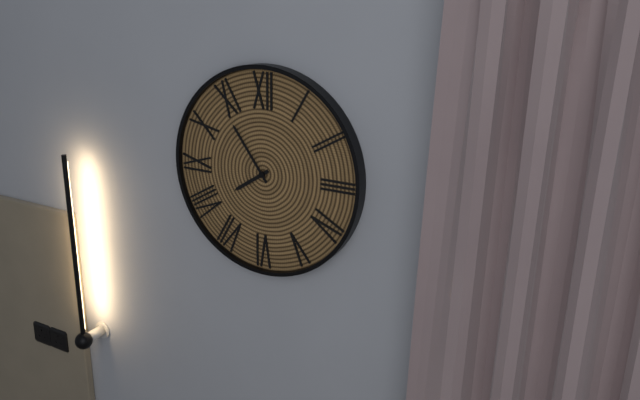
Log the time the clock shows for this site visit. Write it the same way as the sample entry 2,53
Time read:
7,54
